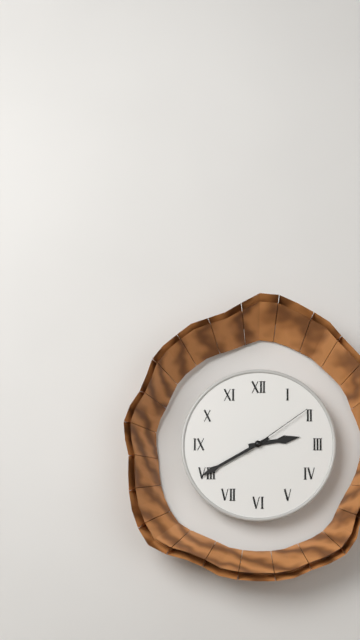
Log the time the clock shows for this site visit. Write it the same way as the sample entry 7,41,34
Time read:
2,40,09
